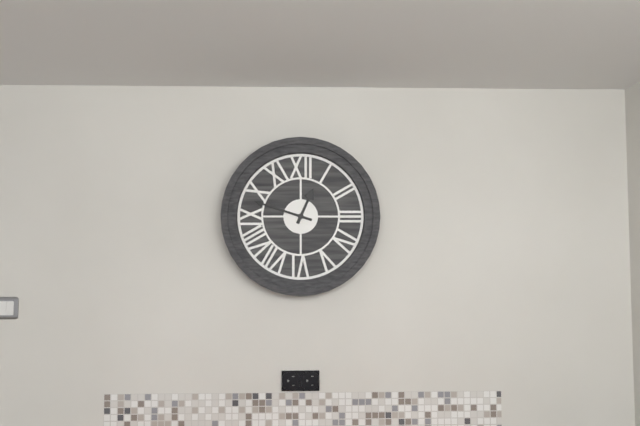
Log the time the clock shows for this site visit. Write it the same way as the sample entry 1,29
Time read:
12,48
